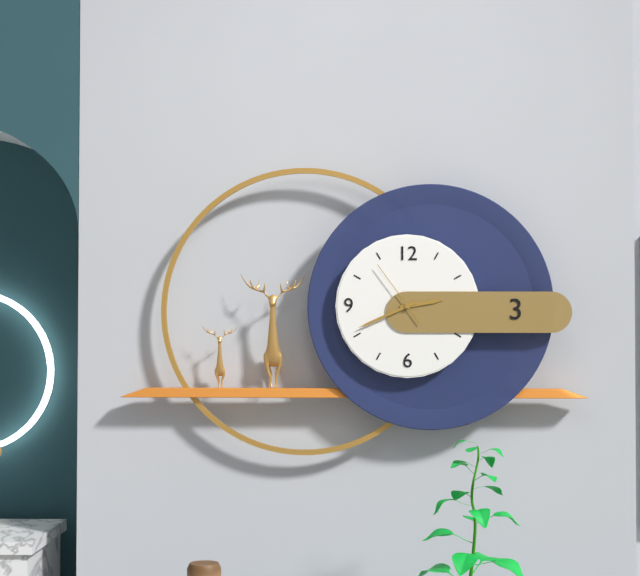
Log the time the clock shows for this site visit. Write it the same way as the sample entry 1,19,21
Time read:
2,41,54
